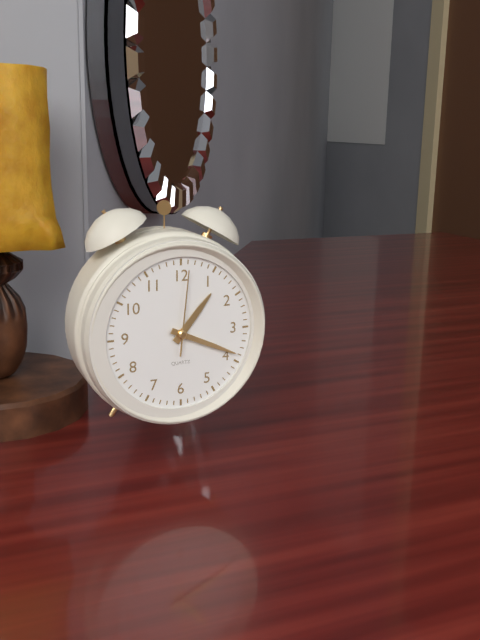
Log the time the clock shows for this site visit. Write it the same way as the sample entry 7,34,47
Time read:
1,19,01
